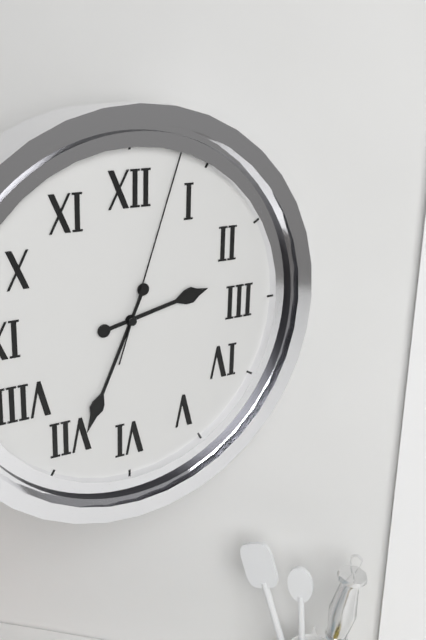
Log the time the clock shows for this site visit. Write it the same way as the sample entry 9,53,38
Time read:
2,34,03
